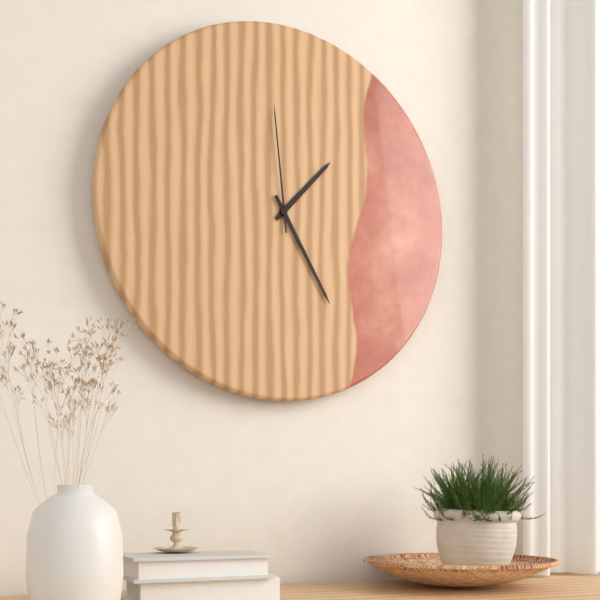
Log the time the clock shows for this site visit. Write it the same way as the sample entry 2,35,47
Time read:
1,25,59
